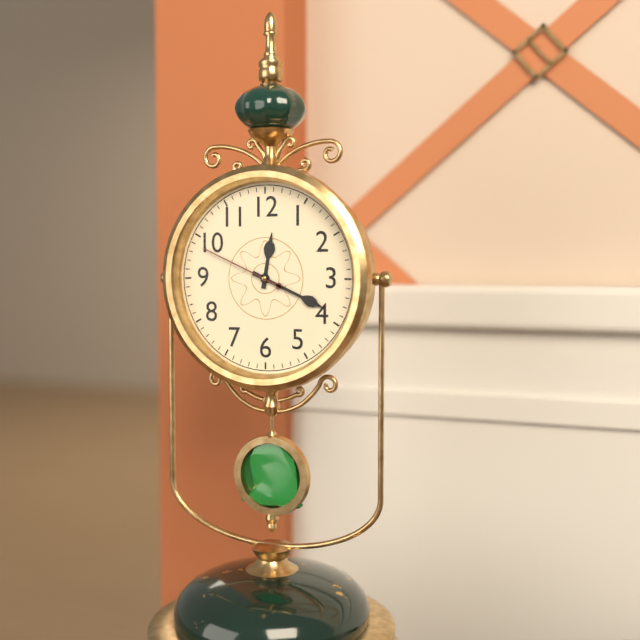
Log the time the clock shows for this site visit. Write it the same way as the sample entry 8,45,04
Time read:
12,19,49
